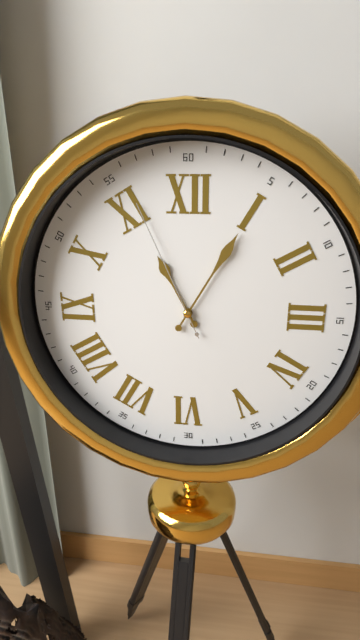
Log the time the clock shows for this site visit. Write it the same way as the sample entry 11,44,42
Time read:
11,05,56
